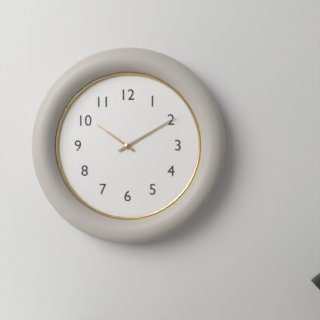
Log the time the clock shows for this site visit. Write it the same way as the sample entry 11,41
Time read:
10,10
